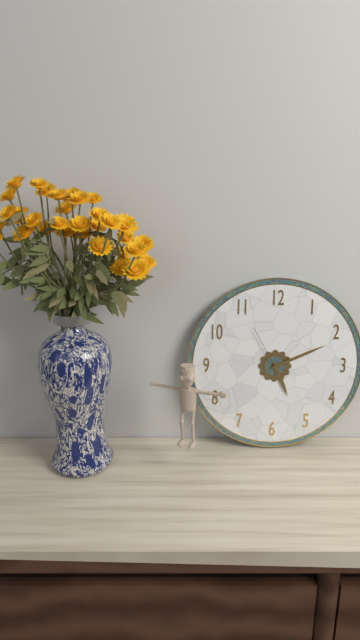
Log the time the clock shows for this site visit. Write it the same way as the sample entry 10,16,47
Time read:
5,11,55
